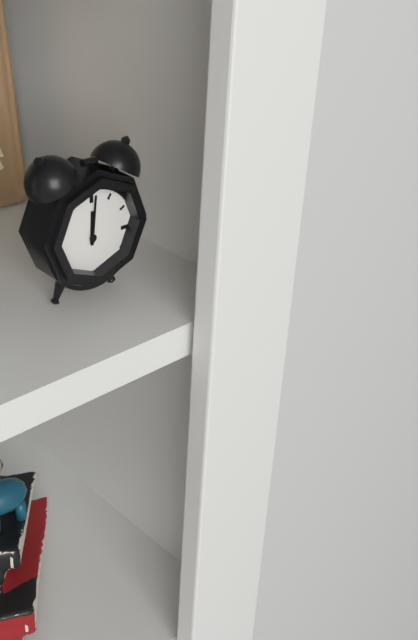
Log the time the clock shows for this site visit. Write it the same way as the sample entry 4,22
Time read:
12,01
